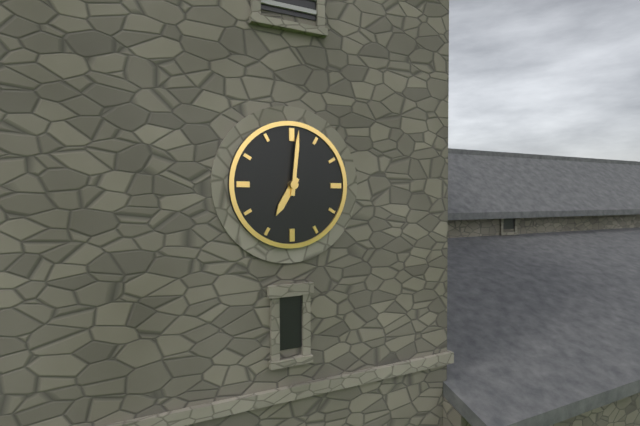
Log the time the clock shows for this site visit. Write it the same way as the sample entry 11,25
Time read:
7,01
